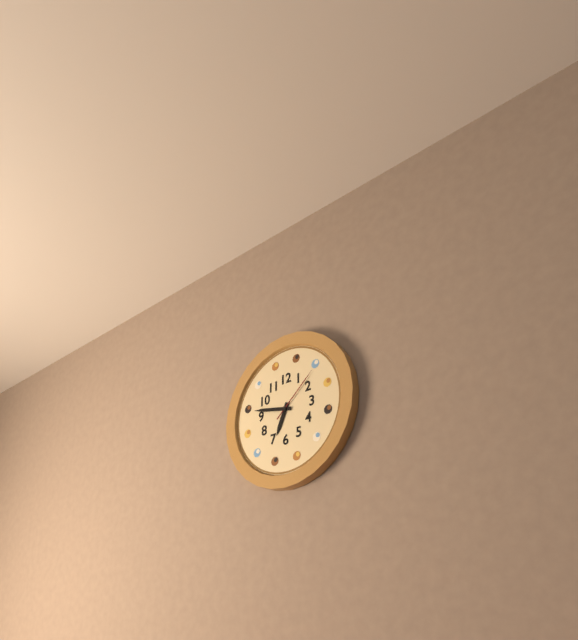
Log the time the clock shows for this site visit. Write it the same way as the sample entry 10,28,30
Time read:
6,47,08
